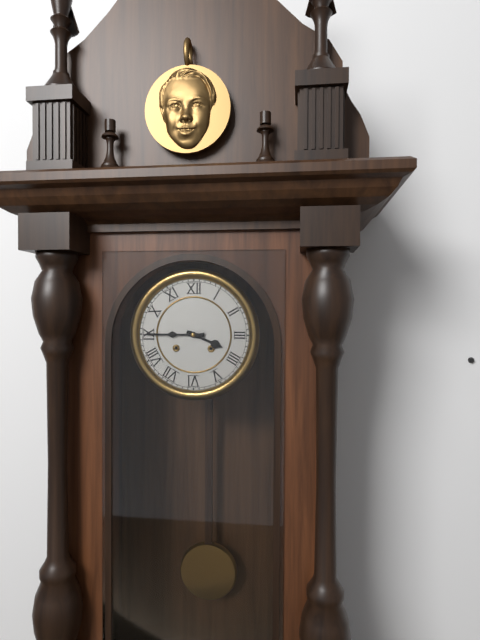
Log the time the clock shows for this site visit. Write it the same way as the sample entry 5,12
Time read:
3,45
